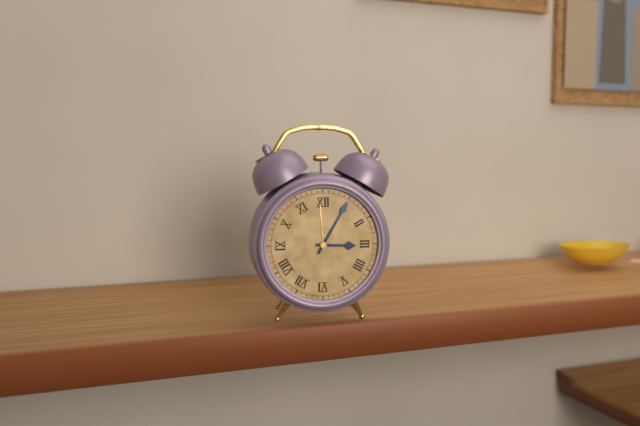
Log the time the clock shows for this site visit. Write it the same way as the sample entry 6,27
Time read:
3,05
